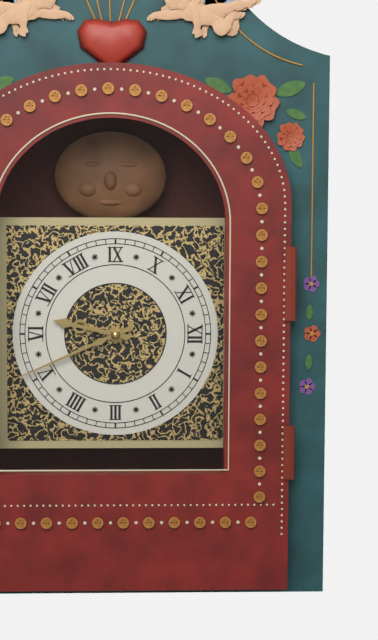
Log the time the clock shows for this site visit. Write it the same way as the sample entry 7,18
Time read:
6,26
